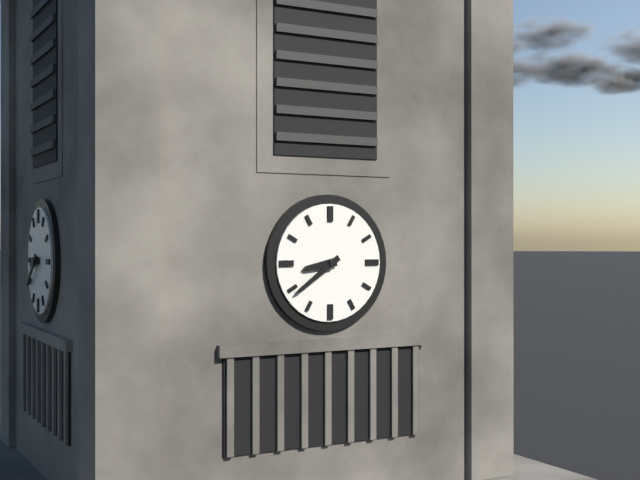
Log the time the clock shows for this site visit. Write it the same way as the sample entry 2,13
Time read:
8,39
